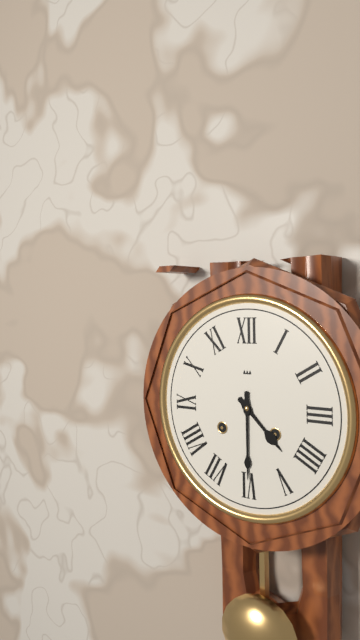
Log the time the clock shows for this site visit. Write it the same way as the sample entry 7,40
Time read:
4,30
